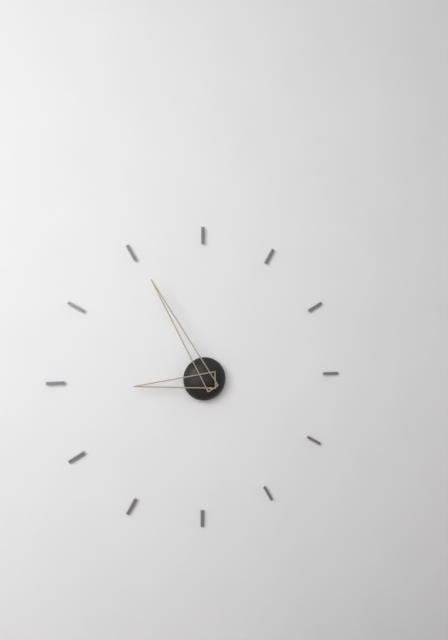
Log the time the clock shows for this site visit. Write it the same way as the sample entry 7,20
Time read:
8,55
